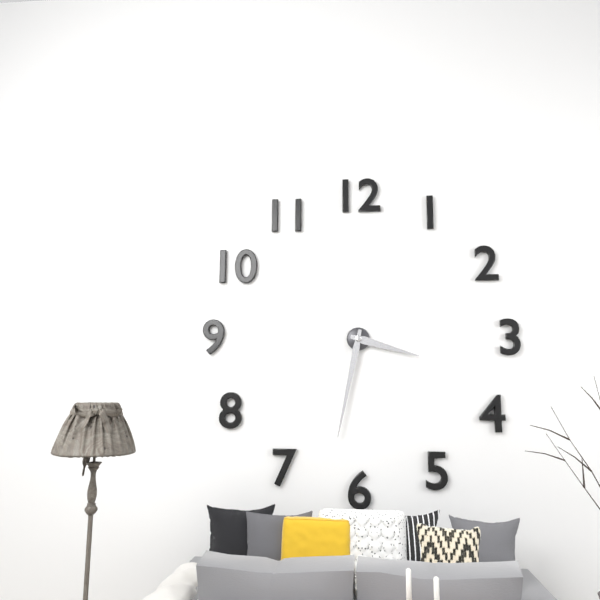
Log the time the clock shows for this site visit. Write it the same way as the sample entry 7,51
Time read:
3,32
